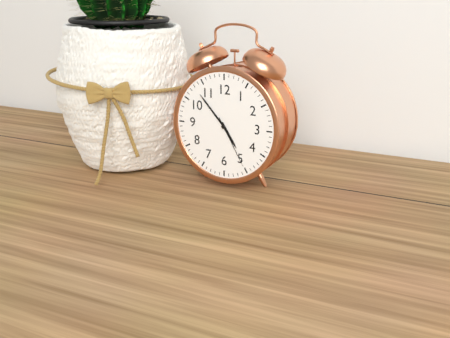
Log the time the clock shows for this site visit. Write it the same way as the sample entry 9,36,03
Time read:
4,53,25
